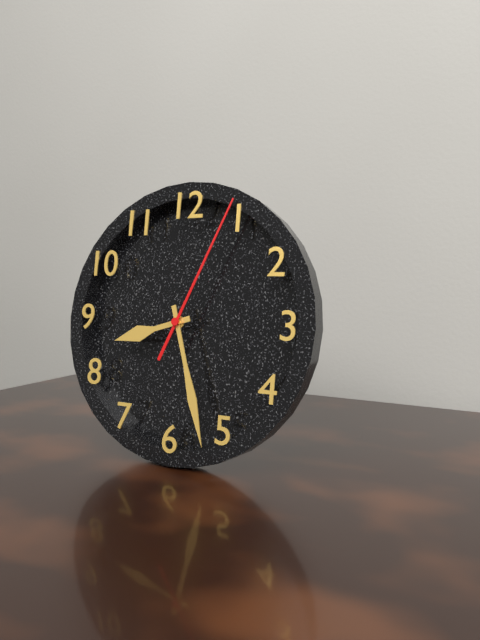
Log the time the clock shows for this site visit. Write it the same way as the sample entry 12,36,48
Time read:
8,27,04
